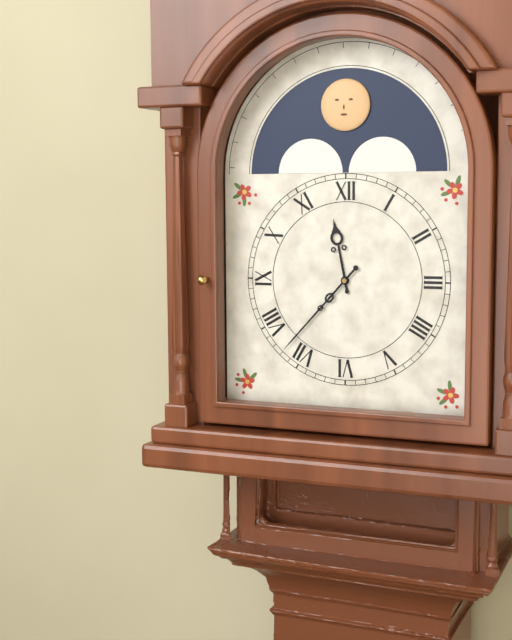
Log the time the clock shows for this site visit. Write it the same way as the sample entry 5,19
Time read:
11,37
